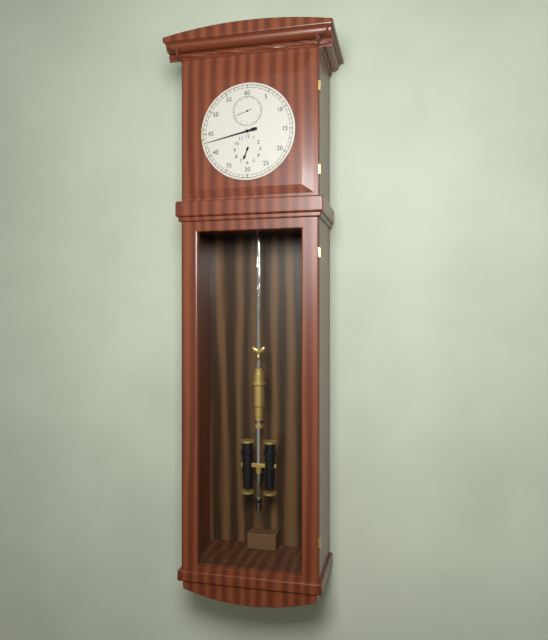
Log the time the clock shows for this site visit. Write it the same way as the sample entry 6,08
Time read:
6,43
